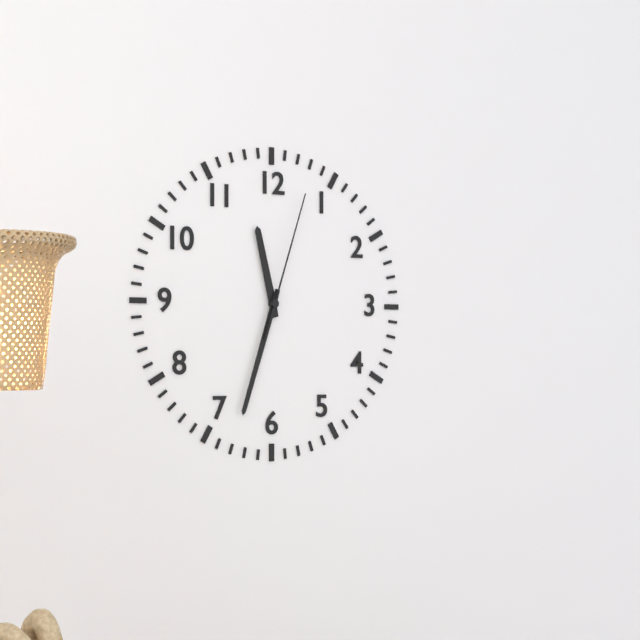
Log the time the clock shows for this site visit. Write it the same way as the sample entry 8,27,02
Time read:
11,33,03
